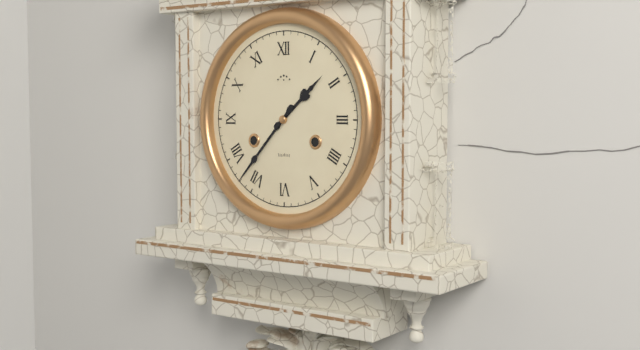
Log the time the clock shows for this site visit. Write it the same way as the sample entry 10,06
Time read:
1,37
